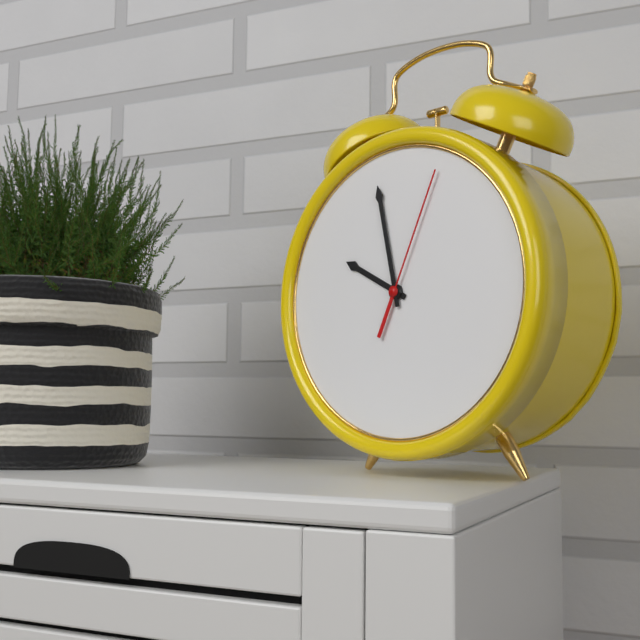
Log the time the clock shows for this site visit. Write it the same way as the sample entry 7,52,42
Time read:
9,58,04
